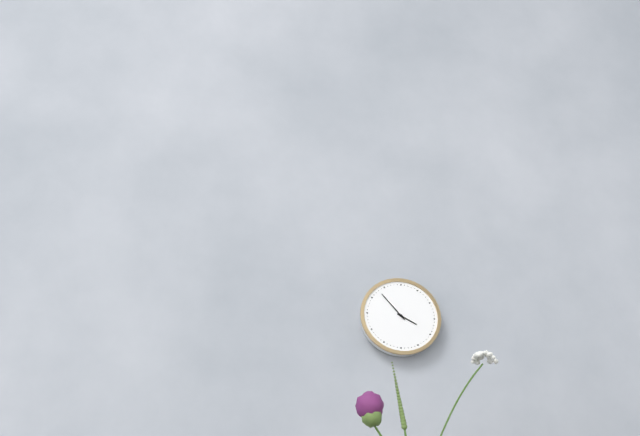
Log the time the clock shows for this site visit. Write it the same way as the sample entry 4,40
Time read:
3,53
